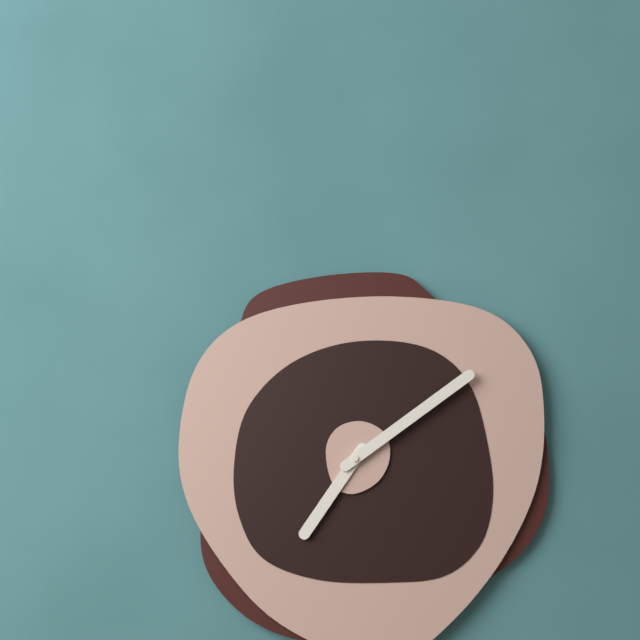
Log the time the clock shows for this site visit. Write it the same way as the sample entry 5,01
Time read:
7,09
